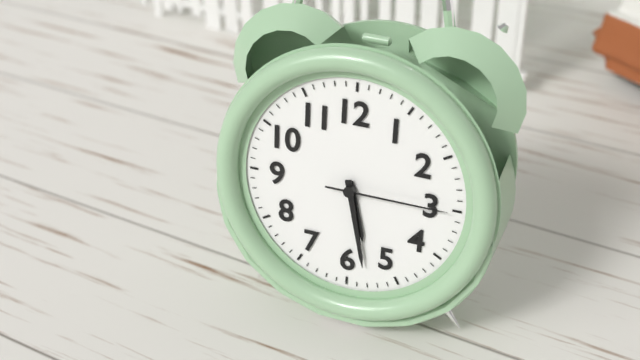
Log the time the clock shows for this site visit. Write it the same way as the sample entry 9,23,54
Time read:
5,28,15
